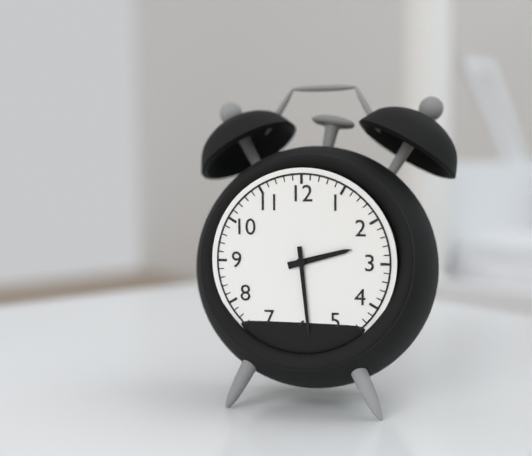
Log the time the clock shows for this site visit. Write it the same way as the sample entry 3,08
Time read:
2,29
